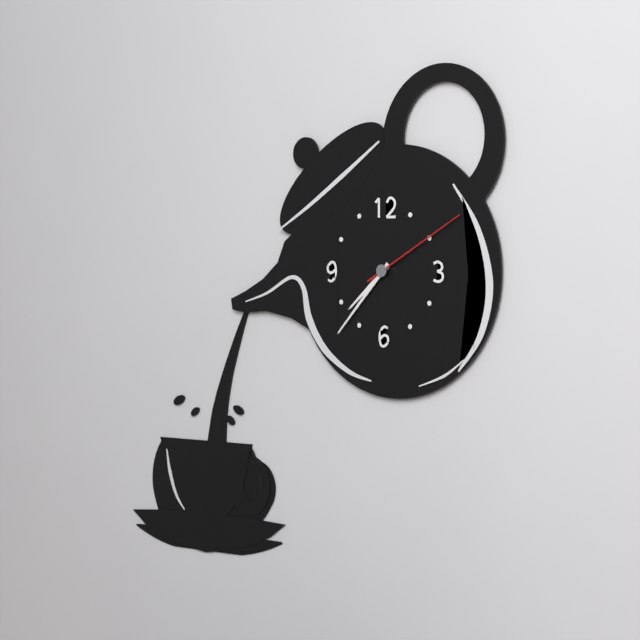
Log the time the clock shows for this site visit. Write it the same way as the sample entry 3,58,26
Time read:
7,37,10
